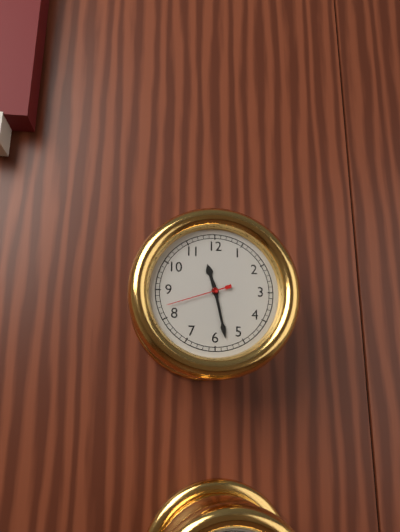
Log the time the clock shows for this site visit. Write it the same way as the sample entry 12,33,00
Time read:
11,28,42
